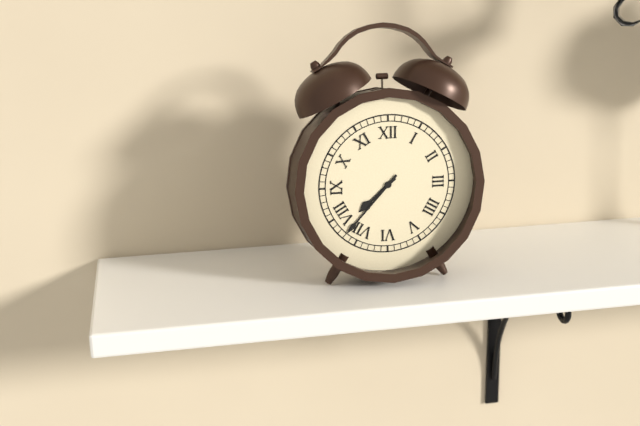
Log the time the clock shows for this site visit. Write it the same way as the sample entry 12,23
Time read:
7,37
